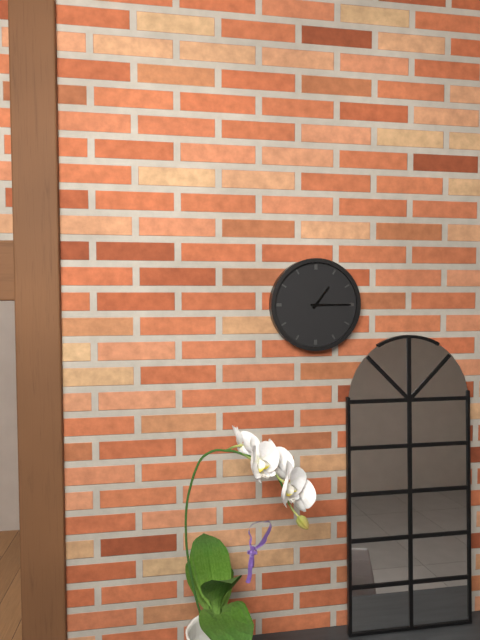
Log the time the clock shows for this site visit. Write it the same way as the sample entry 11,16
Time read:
1,15
